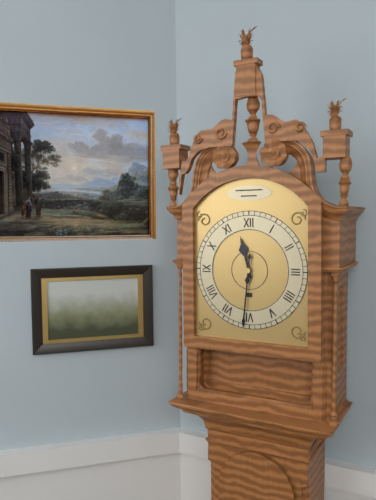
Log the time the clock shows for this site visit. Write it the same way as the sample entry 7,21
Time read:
11,31
